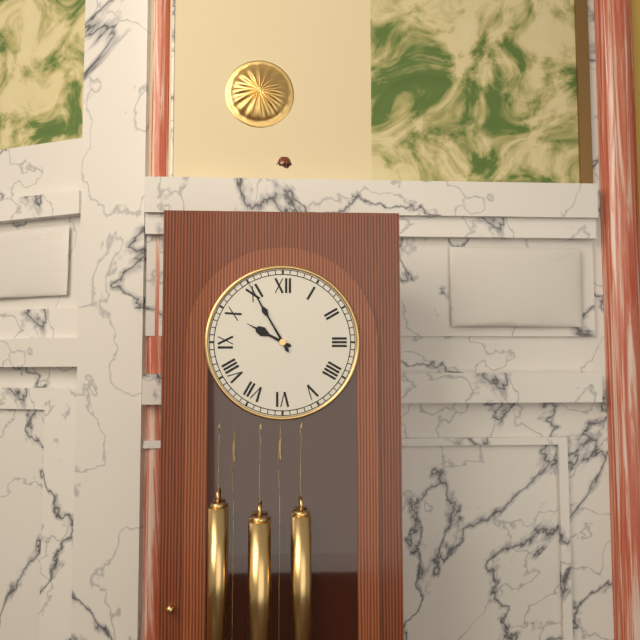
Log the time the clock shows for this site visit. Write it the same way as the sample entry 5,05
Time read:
9,55
